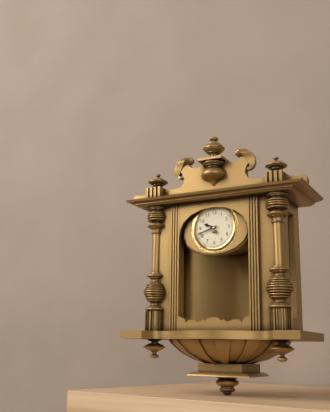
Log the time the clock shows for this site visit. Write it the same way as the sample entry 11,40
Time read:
9,42
